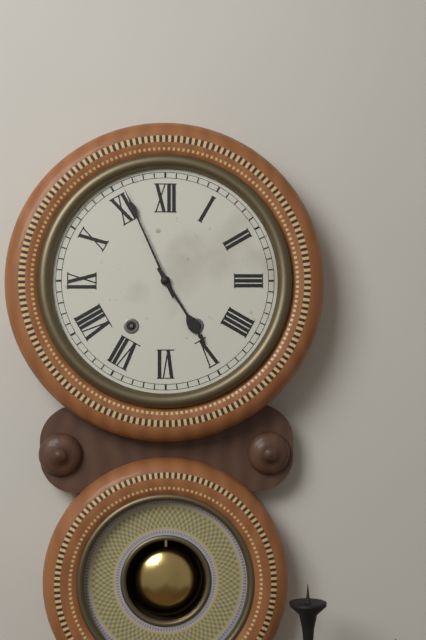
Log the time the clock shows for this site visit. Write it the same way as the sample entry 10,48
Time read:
4,56
